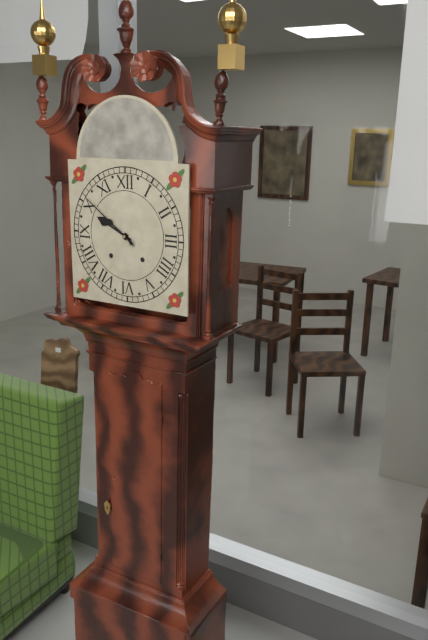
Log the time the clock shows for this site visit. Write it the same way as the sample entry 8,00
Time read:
9,51
